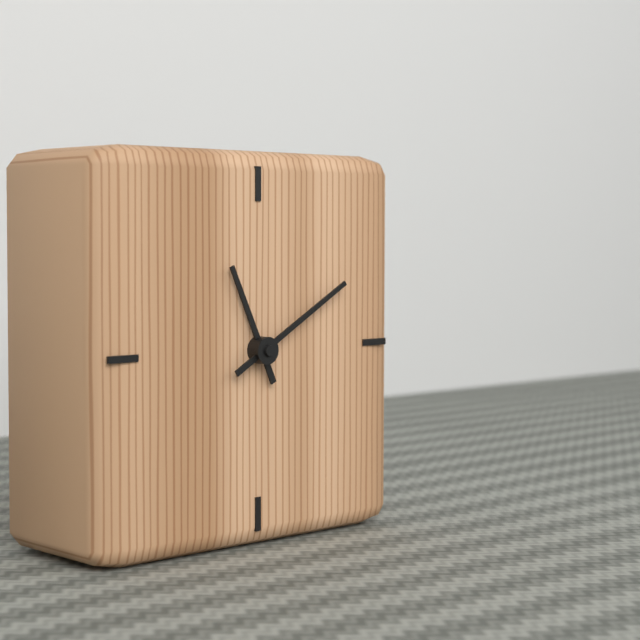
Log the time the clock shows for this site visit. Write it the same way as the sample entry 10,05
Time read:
11,10
